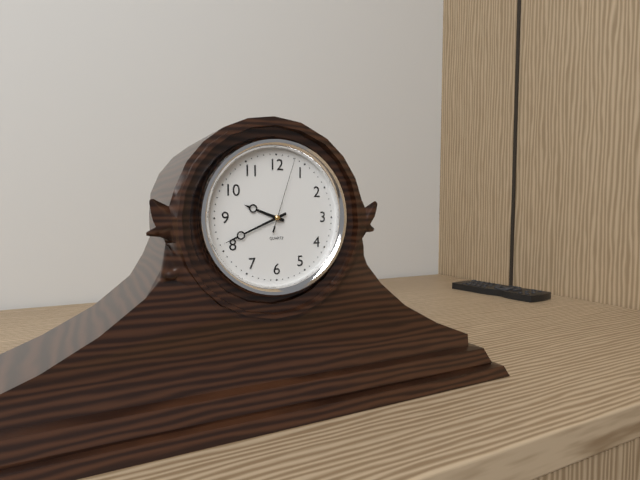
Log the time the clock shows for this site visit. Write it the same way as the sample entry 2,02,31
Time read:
9,41,03
